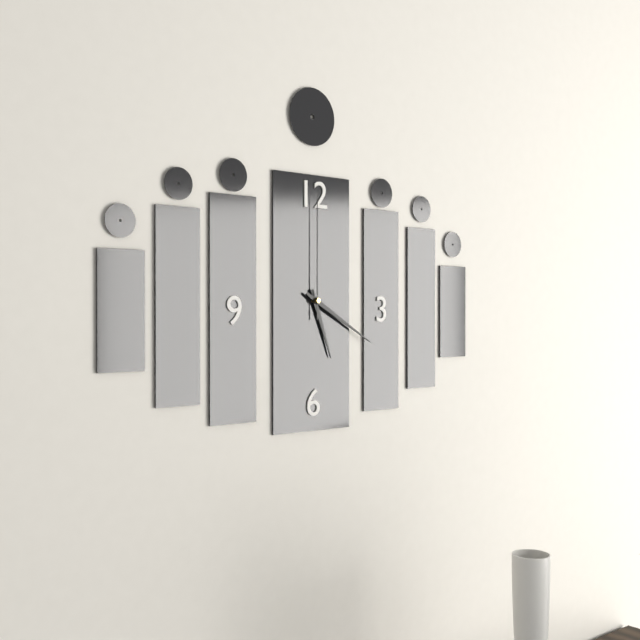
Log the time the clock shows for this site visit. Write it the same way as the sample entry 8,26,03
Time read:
5,20,00
